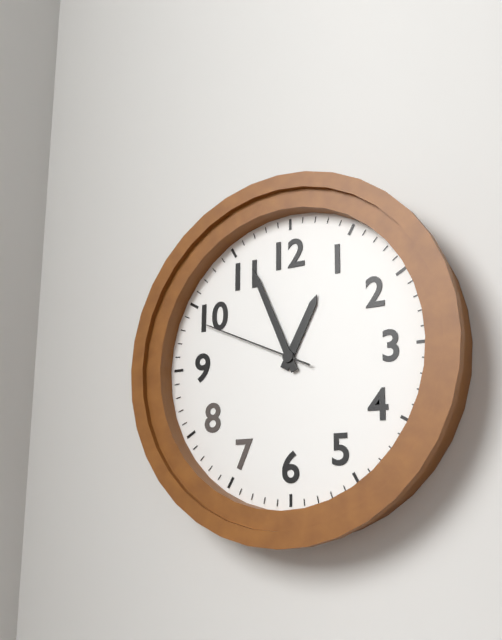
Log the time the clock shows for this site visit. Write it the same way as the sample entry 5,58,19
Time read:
12,56,49
